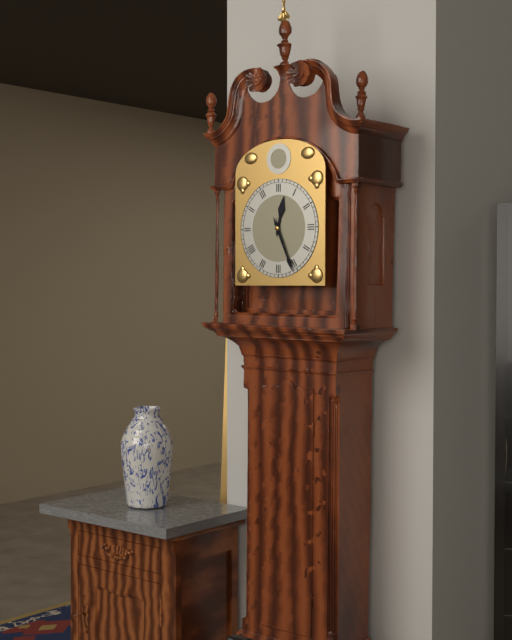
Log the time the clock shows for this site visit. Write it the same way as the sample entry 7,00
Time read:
12,26
